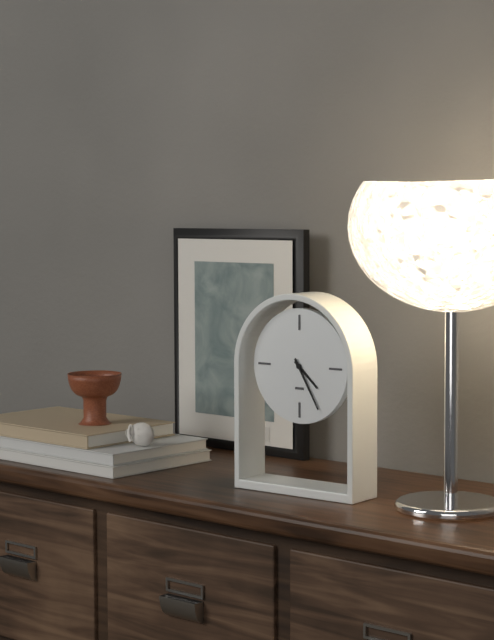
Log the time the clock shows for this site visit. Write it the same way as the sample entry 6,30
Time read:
4,25
